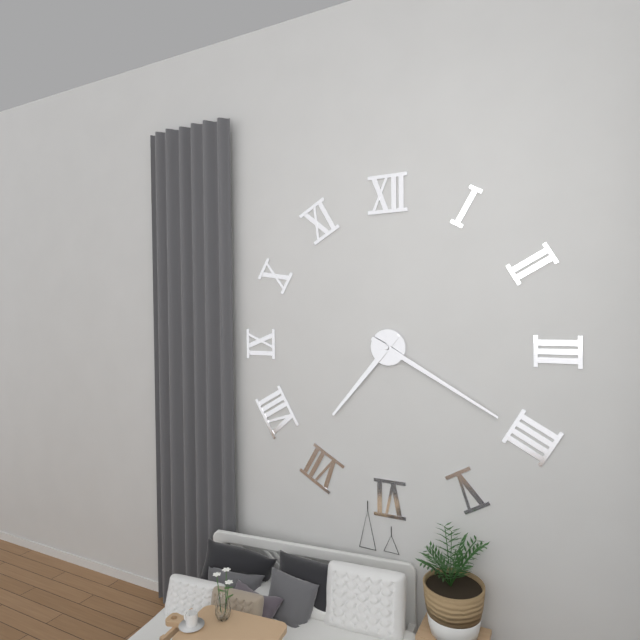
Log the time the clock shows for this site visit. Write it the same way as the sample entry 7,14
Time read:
7,20
